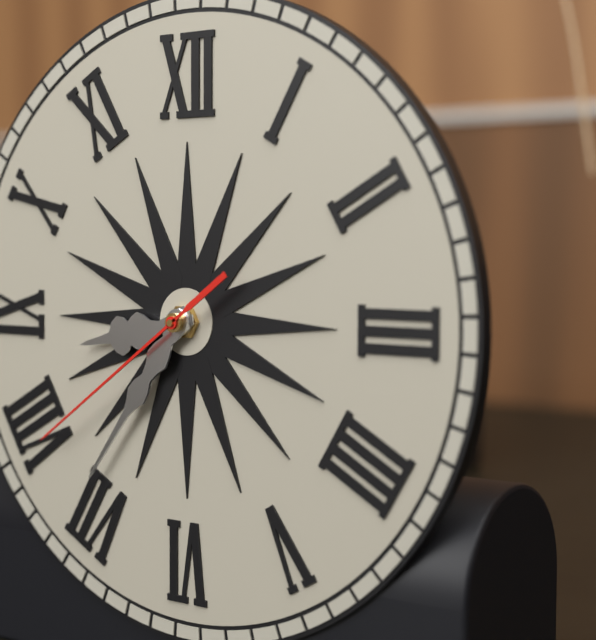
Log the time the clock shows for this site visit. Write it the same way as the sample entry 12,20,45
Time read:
8,36,39
